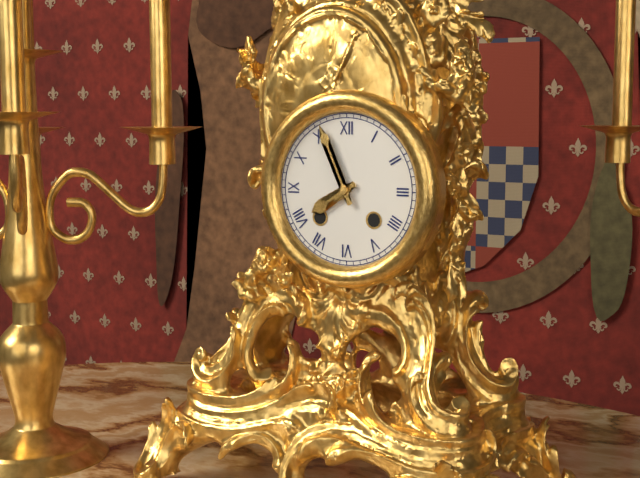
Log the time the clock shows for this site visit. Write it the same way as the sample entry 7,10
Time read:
7,56
